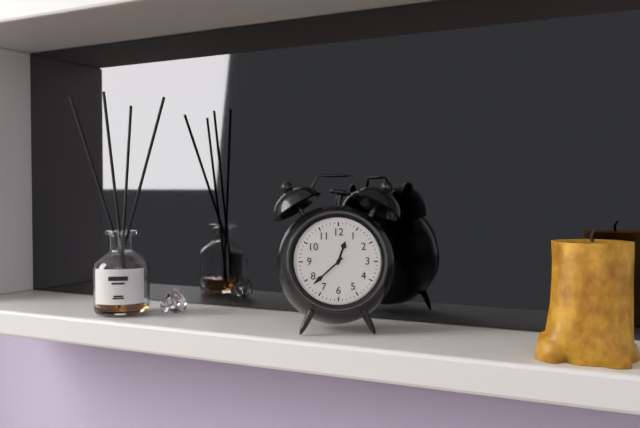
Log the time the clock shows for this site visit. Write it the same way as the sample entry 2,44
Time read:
12,38
